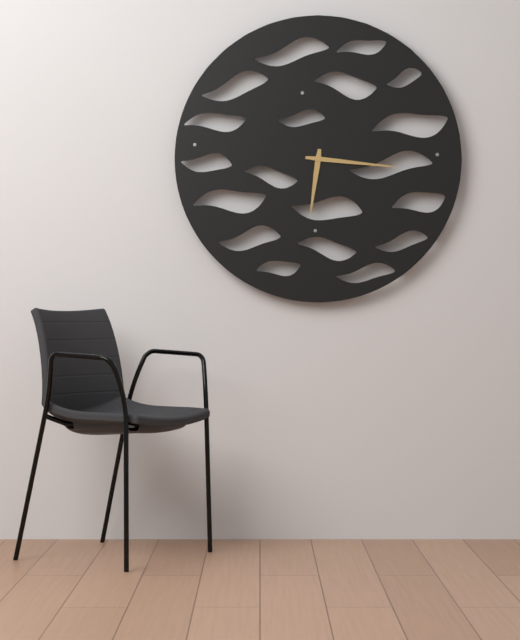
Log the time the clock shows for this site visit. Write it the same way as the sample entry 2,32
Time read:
6,16
